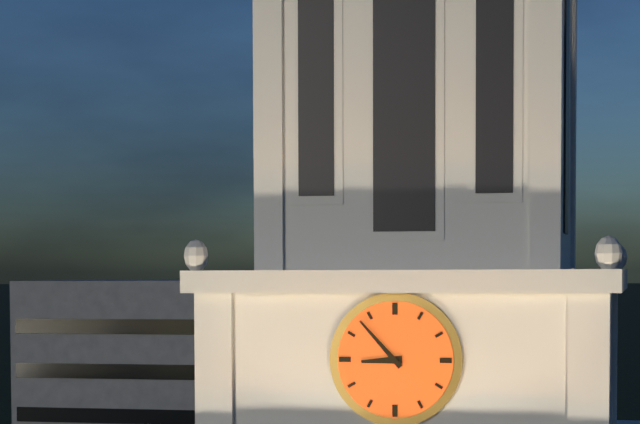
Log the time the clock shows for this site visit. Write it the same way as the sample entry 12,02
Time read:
8,53
